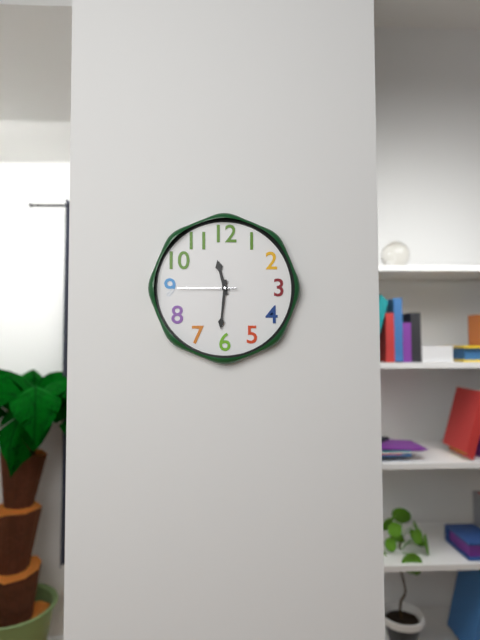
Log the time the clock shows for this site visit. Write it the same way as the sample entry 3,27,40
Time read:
11,31,45
